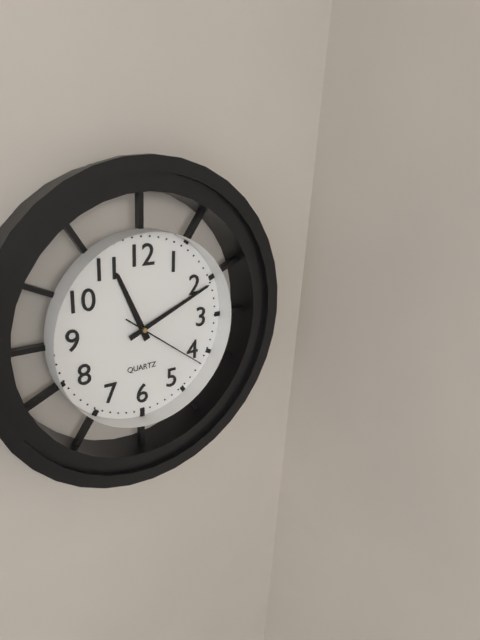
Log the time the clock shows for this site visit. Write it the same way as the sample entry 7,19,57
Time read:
11,11,21
